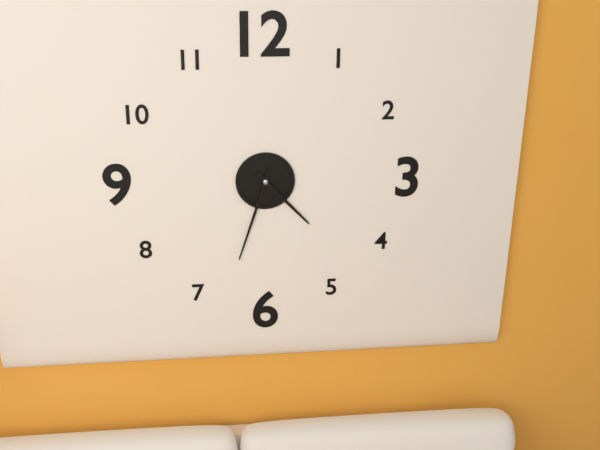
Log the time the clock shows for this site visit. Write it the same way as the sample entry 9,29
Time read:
4,33
